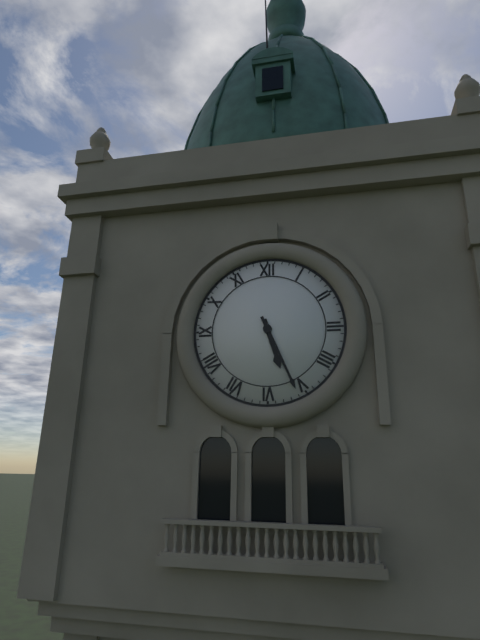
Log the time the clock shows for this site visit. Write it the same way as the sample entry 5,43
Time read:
5,26
